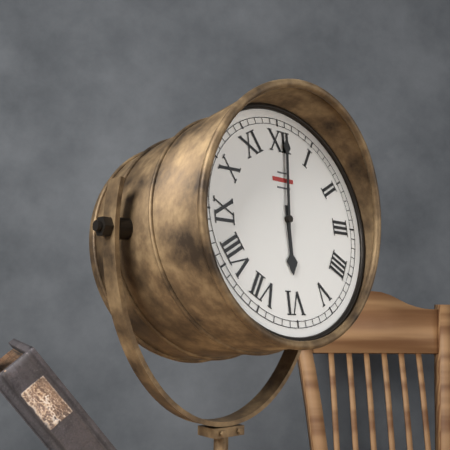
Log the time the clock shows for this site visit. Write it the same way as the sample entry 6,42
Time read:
6,01
